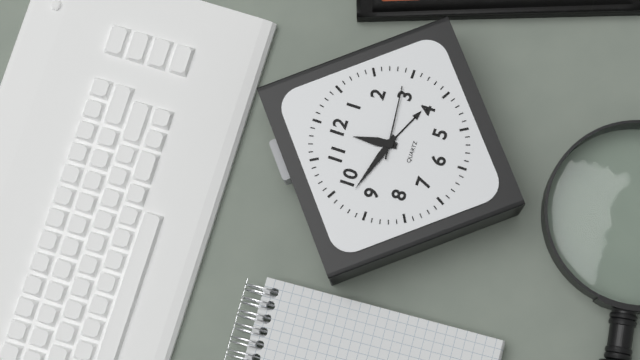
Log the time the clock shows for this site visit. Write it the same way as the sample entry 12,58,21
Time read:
11,48,14
